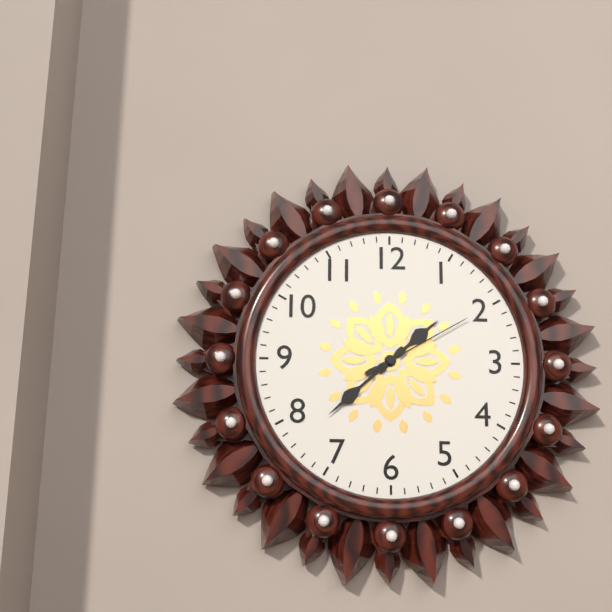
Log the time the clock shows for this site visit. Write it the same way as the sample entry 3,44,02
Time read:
1,38,10
